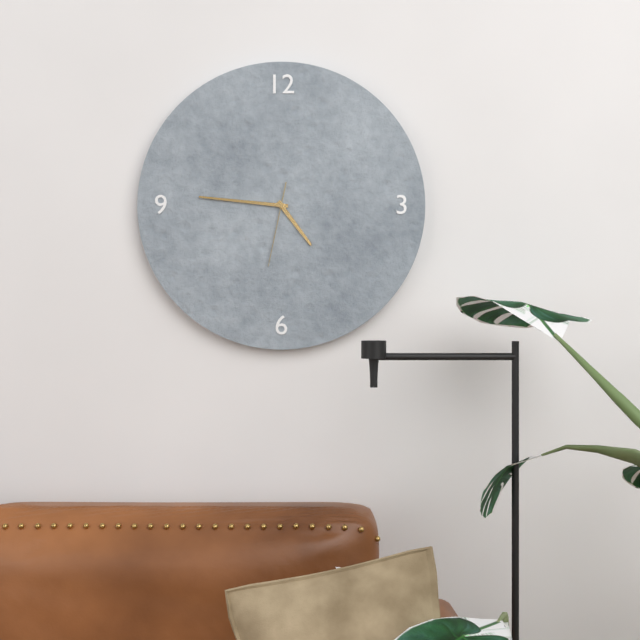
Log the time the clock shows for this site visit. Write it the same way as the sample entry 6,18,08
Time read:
4,46,32
